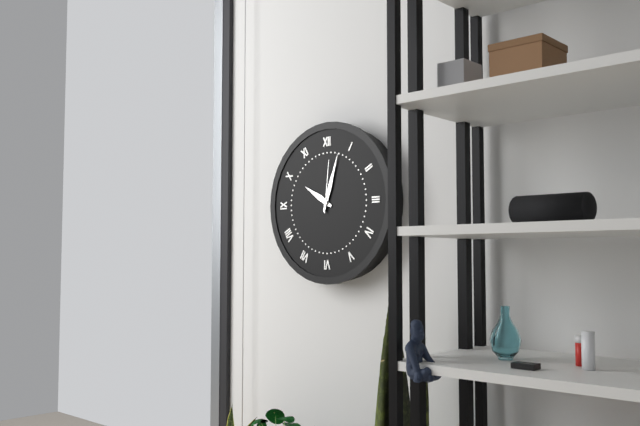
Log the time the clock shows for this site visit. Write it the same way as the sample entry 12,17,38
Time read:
10,03,01
